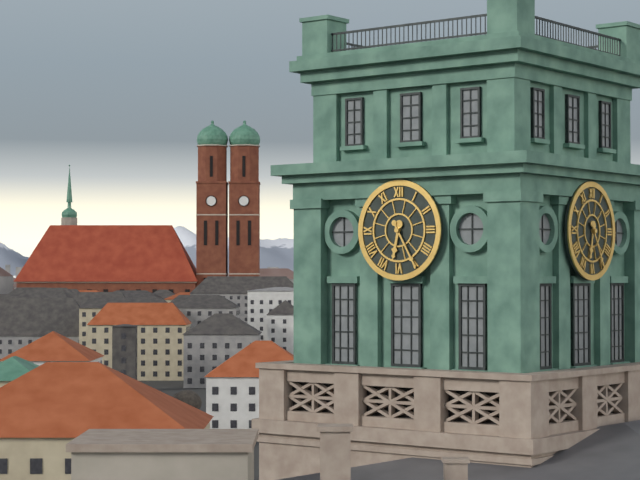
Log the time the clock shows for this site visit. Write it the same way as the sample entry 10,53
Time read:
6,25
